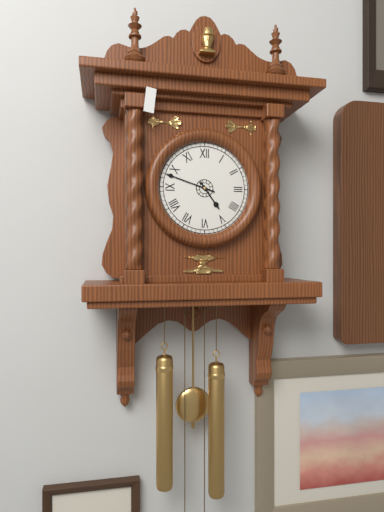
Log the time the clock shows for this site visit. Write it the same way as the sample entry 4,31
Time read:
4,48
